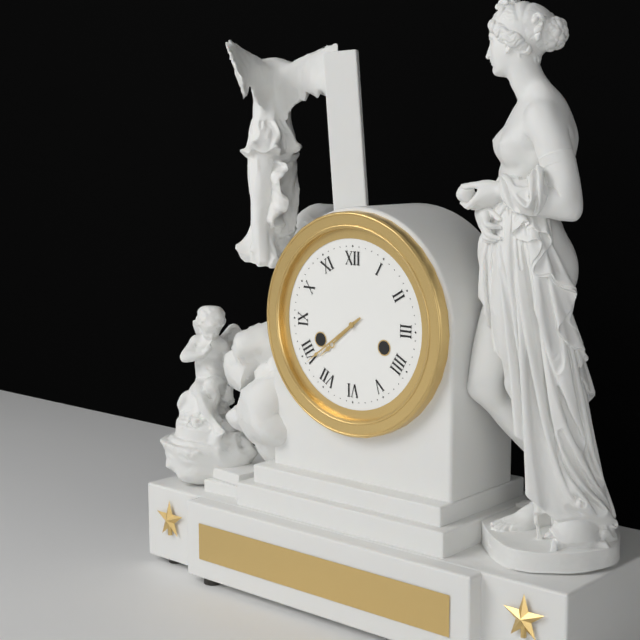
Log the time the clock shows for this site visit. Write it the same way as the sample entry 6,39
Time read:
7,39
